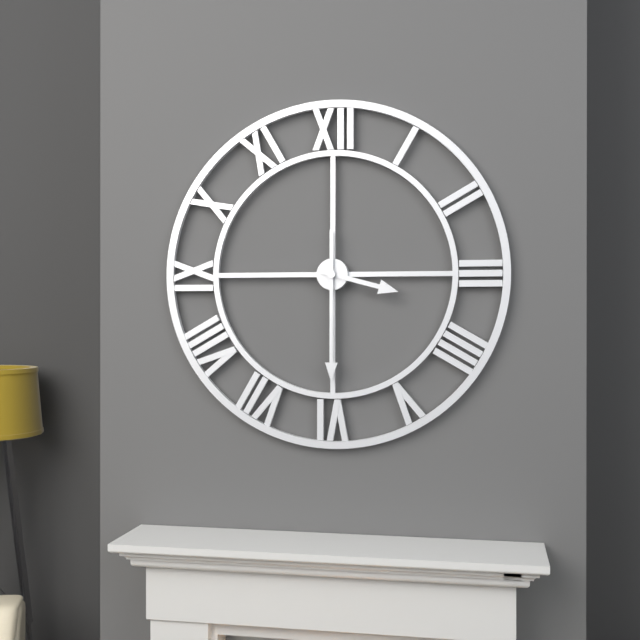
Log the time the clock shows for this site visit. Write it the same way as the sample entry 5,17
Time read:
3,30
